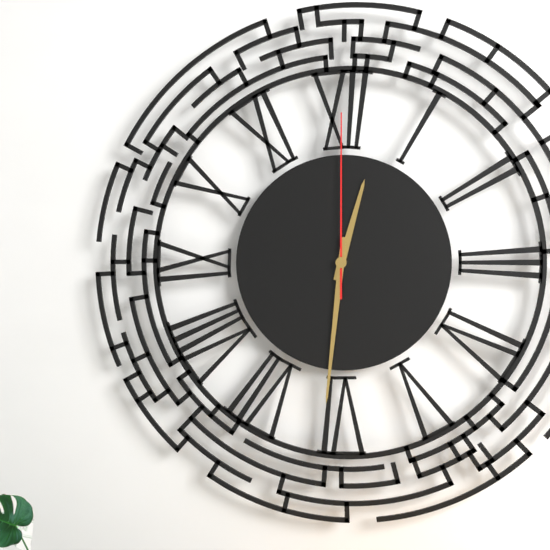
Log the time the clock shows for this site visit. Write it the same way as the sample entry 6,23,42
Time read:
12,31,00
